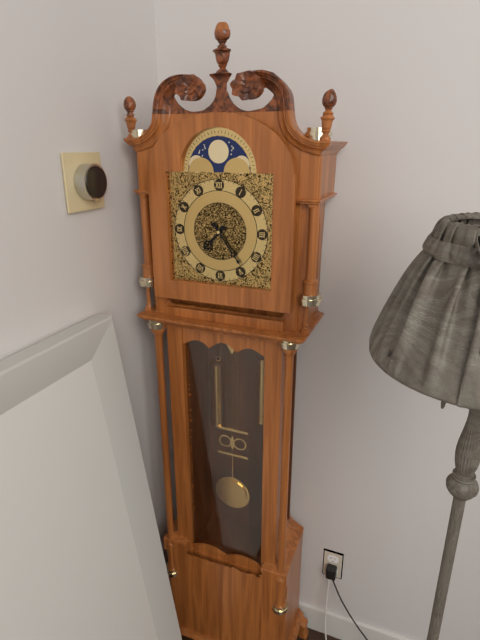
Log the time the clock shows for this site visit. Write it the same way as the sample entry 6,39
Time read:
7,24
